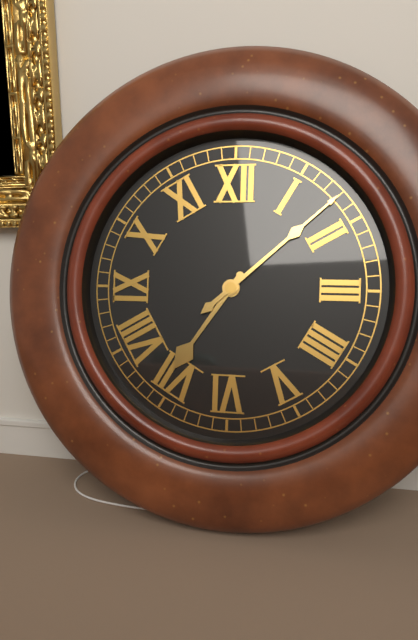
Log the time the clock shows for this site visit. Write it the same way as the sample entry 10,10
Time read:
7,08
